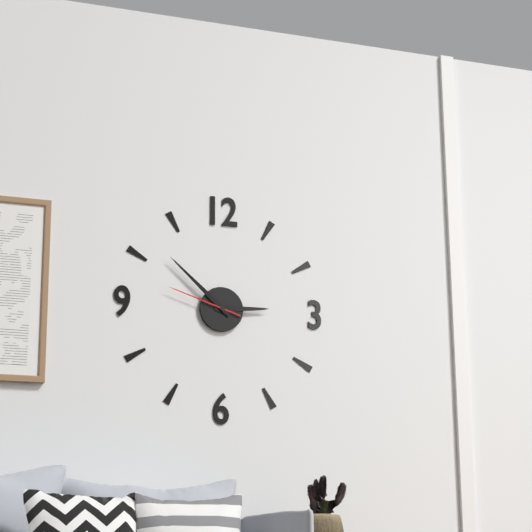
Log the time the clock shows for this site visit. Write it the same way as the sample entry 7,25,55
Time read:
2,52,48
